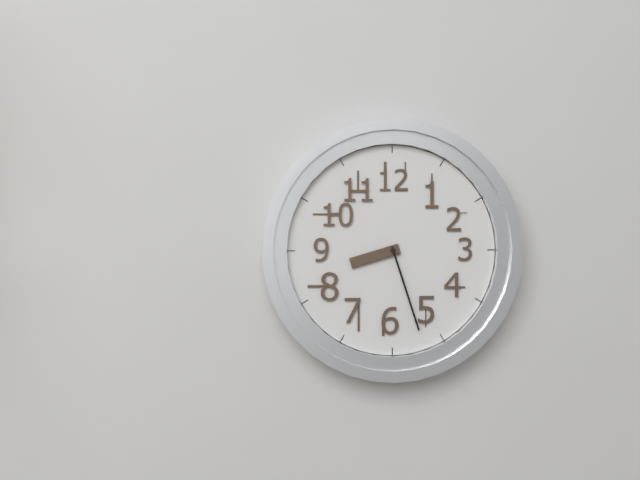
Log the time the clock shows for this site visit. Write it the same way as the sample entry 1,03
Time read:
8,27
